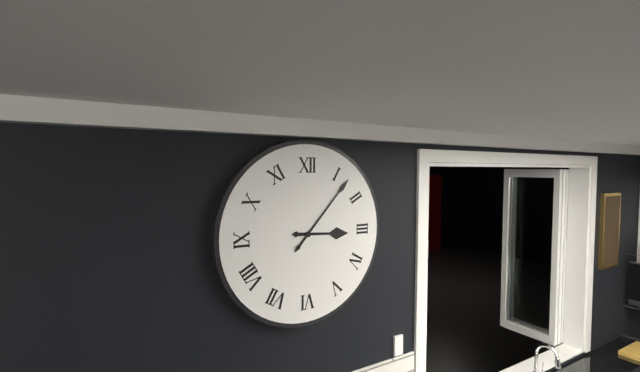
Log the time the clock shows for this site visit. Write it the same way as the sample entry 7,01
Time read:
3,07
